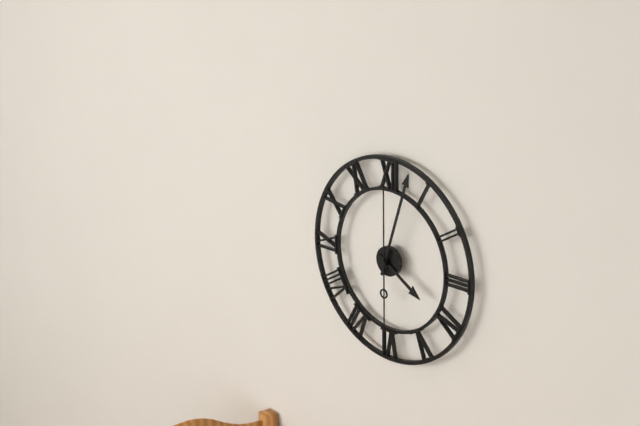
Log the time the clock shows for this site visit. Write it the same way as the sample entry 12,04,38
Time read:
4,03,00
